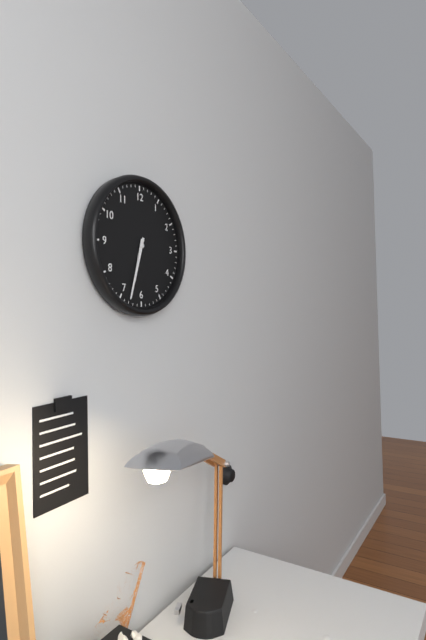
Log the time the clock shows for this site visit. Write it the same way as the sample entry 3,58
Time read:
6,33
